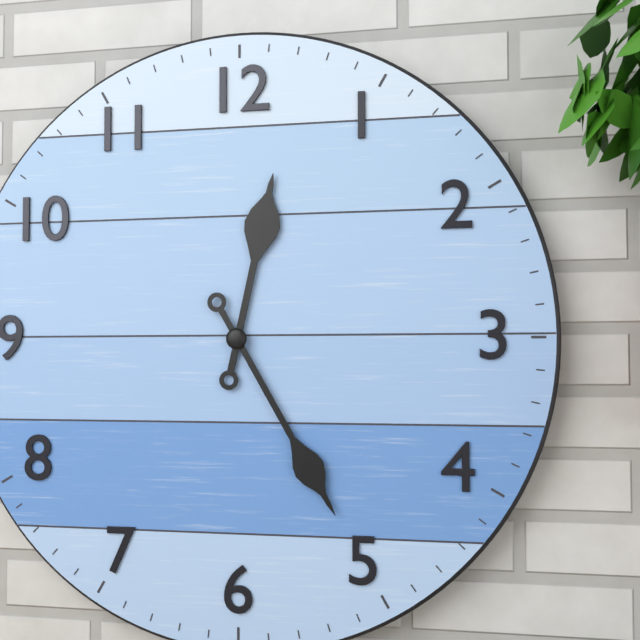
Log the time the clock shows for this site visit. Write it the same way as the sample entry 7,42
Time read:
12,25
